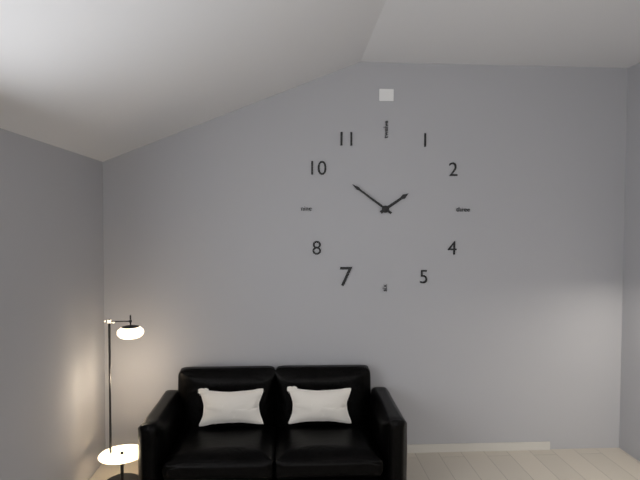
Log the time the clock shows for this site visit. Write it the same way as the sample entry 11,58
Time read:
1,51
